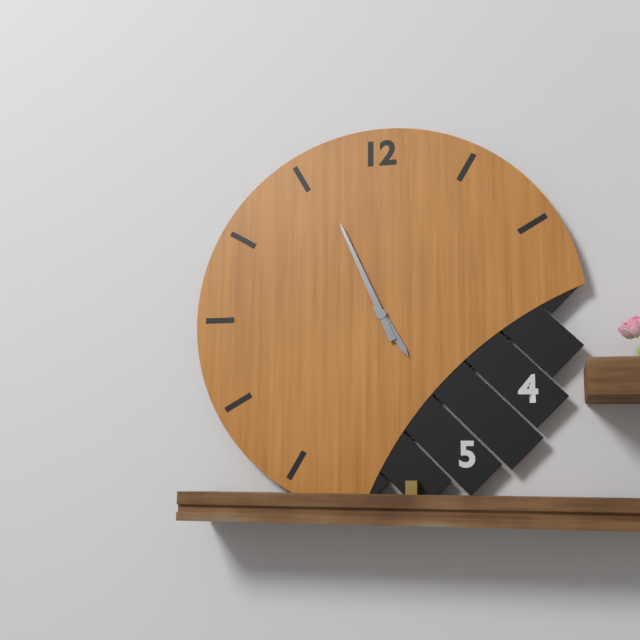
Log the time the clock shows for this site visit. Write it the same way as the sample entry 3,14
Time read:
4,56
